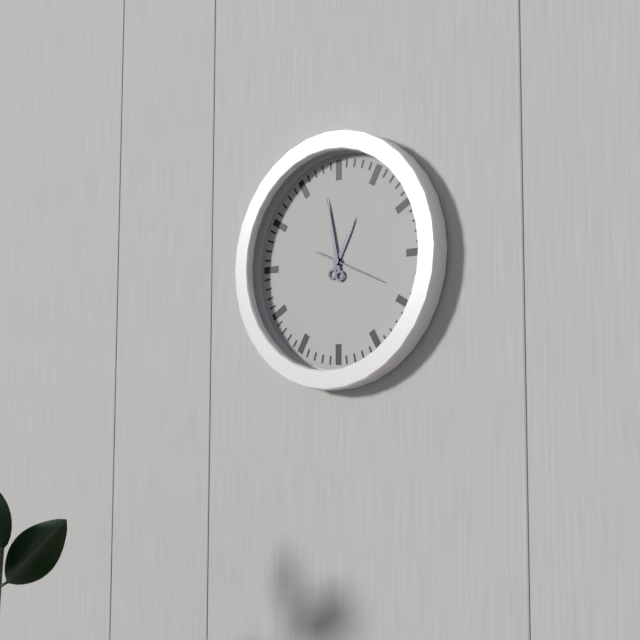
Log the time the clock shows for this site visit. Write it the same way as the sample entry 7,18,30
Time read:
12,58,19
